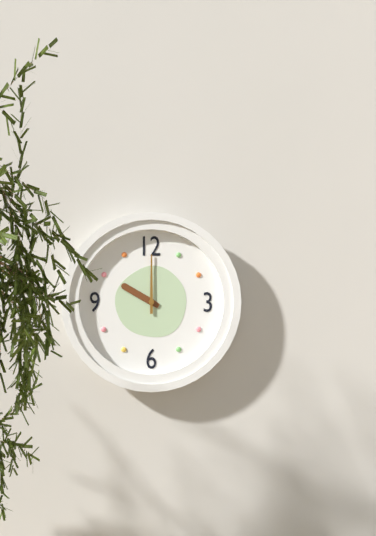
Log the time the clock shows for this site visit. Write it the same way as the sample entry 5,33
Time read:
10,00
